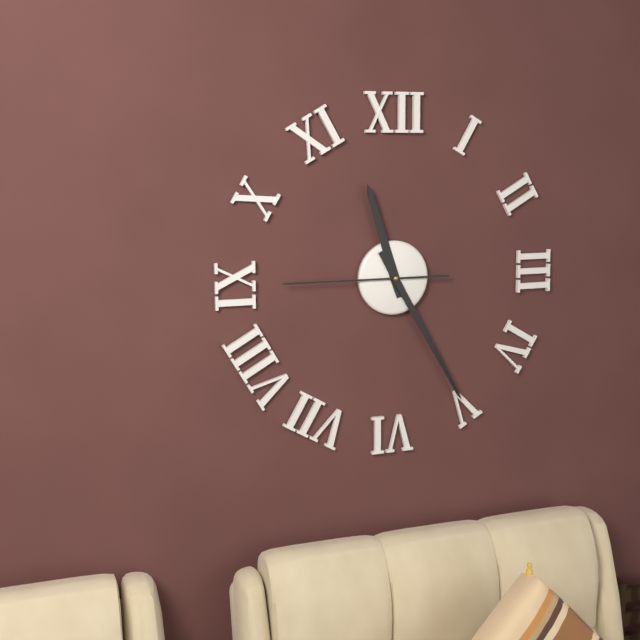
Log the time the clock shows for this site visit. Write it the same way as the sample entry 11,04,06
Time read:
11,25,45
